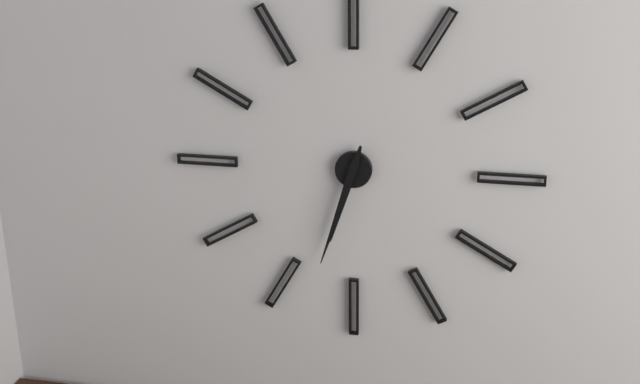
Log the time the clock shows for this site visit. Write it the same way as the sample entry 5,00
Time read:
6,33
